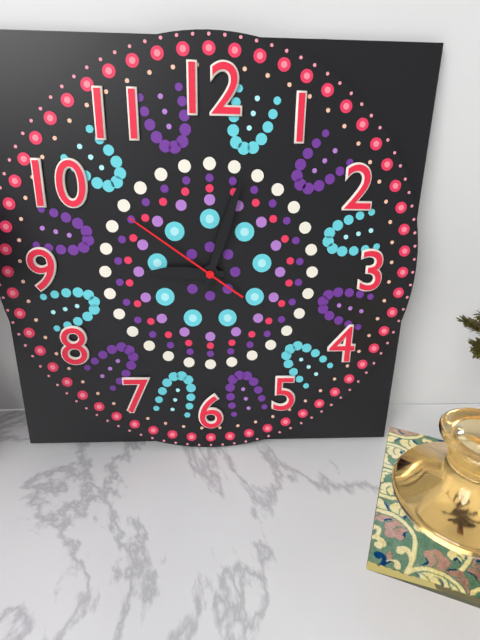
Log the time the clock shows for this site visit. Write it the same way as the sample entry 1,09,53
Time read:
9,03,51
